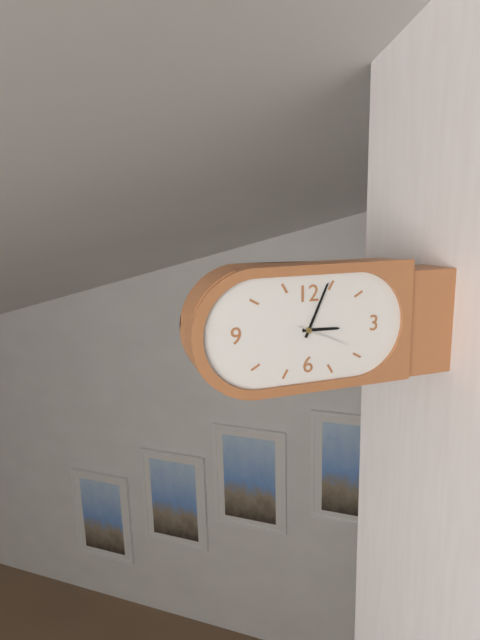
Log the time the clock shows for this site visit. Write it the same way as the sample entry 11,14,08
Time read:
3,04,19
